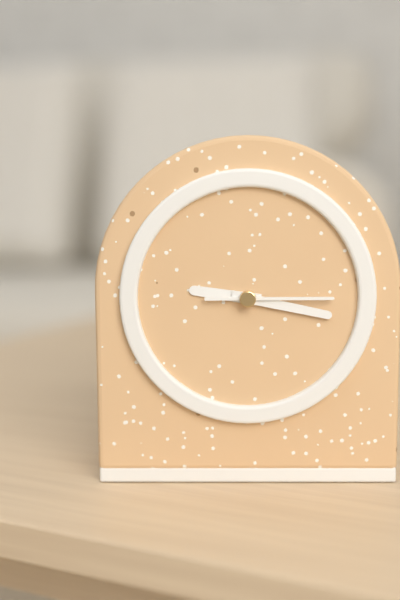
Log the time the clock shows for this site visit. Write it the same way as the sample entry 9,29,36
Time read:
9,17,15
